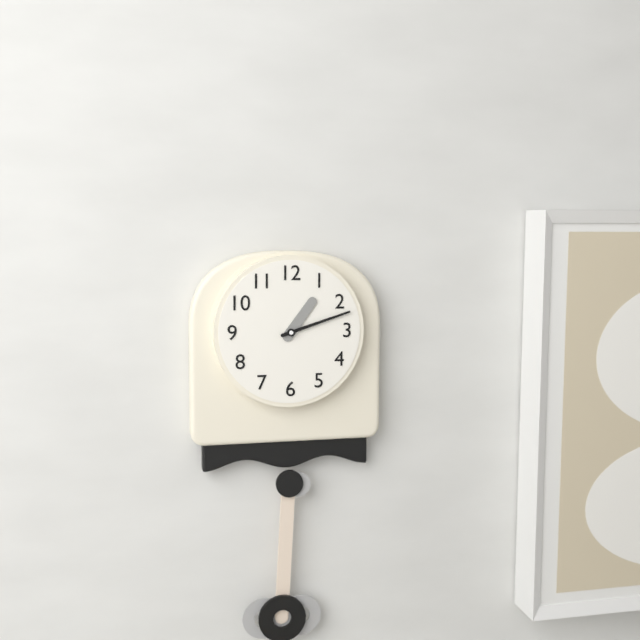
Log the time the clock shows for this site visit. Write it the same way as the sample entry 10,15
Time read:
1,12
